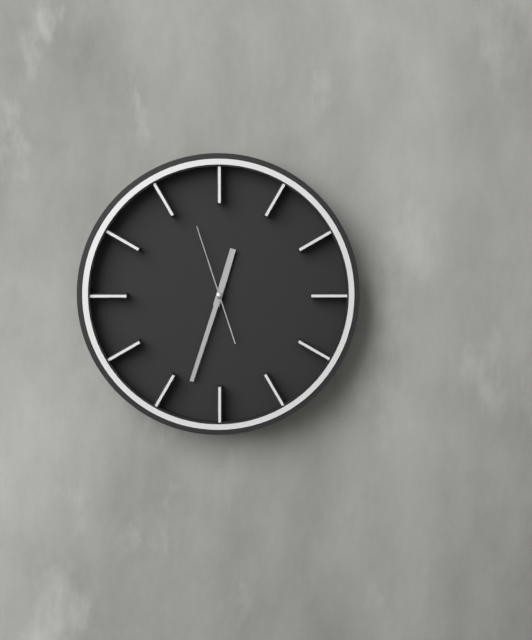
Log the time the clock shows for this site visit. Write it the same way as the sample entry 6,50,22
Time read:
12,33,57
